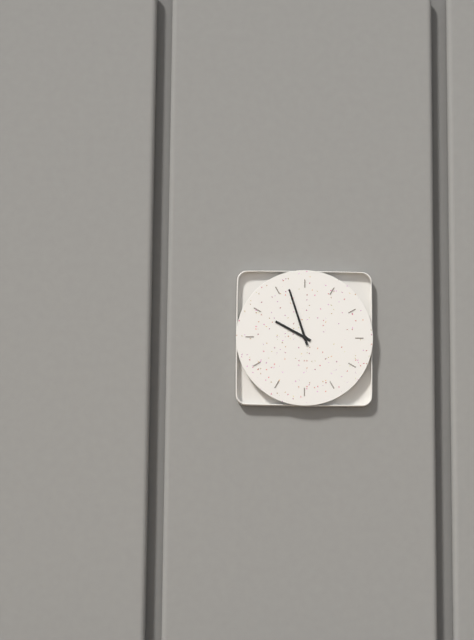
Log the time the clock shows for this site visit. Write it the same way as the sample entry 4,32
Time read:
9,57
